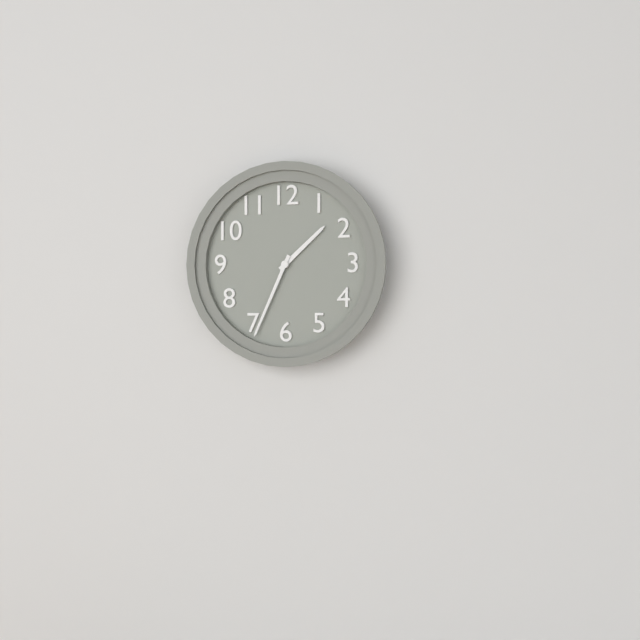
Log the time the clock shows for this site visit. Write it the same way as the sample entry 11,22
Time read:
1,34
